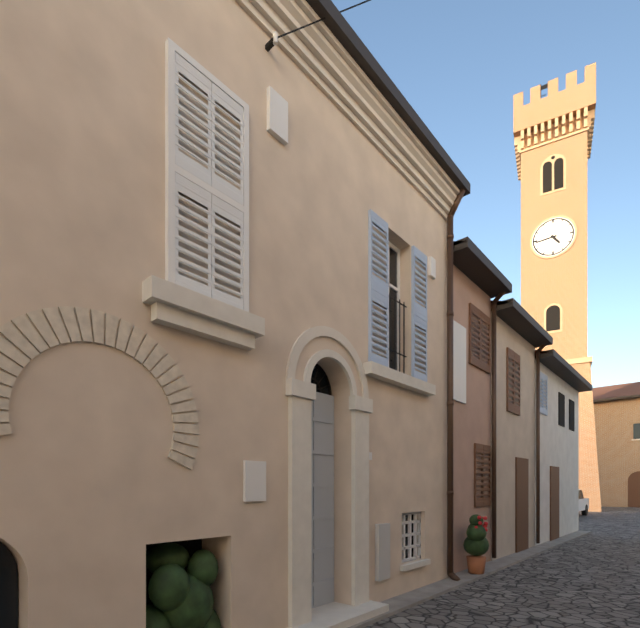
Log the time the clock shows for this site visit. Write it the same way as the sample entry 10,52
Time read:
4,44
